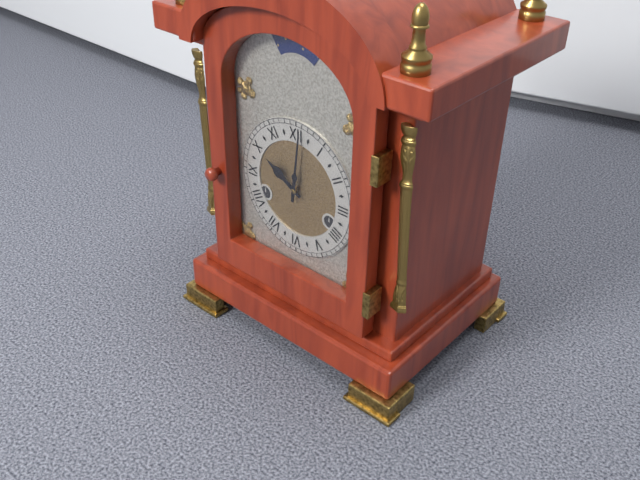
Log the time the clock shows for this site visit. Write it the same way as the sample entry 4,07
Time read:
10,01
